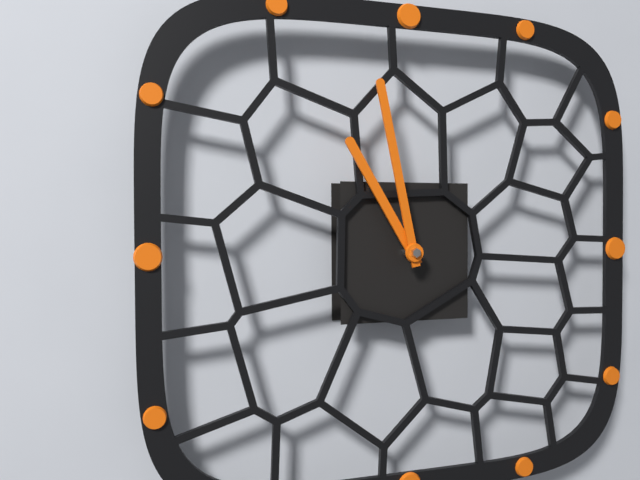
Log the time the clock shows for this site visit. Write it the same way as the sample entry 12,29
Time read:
10,58
